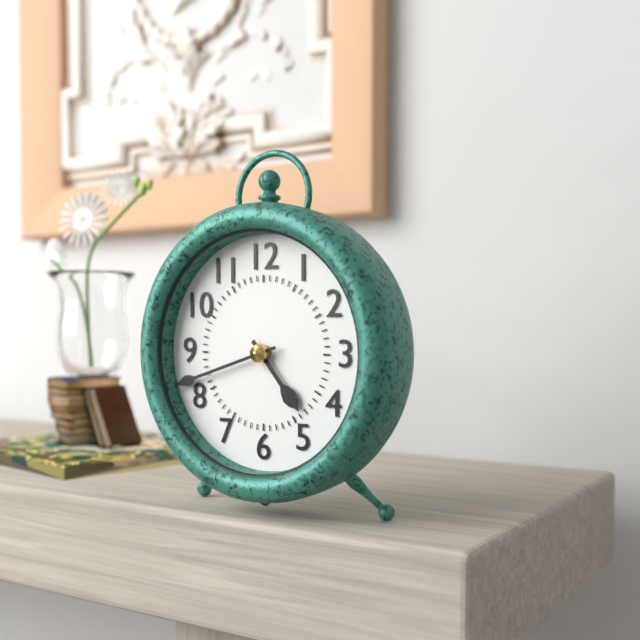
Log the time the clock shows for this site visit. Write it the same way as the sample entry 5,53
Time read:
4,42
